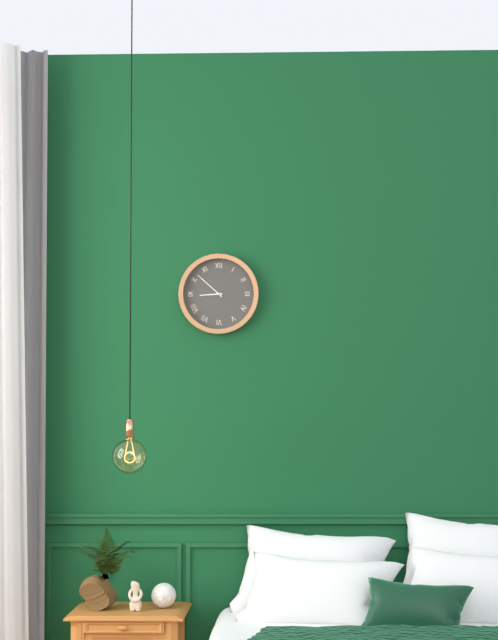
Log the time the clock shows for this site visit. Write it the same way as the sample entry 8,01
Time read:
8,52
